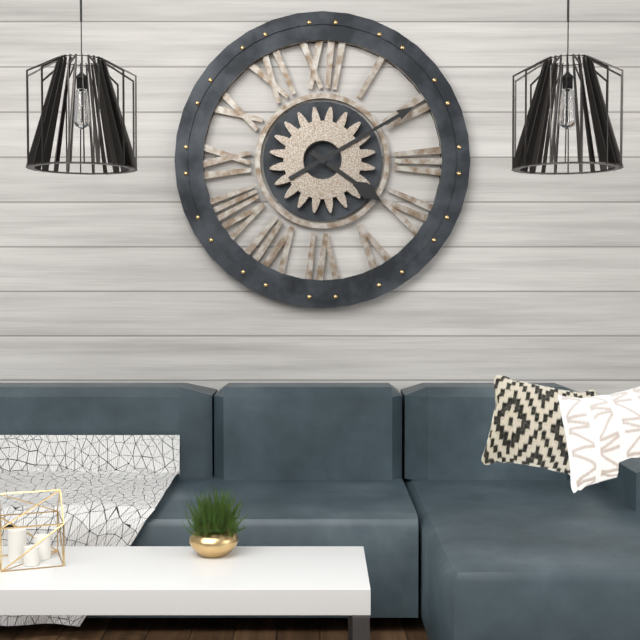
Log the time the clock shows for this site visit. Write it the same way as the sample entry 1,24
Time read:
4,10
